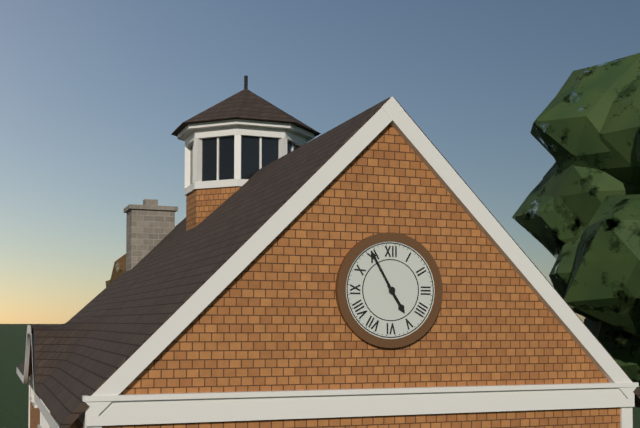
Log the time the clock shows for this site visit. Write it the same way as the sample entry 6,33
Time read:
4,55
